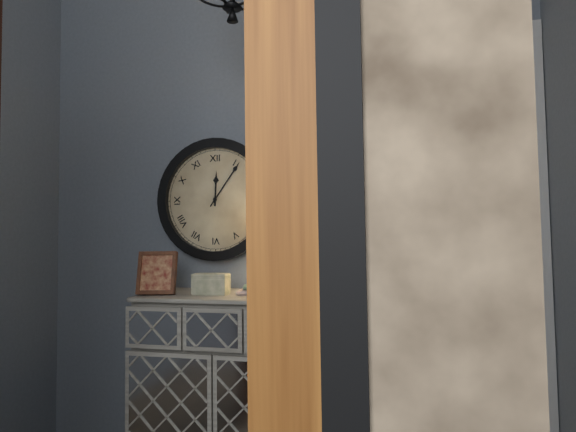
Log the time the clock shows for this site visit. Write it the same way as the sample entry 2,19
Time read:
12,06
